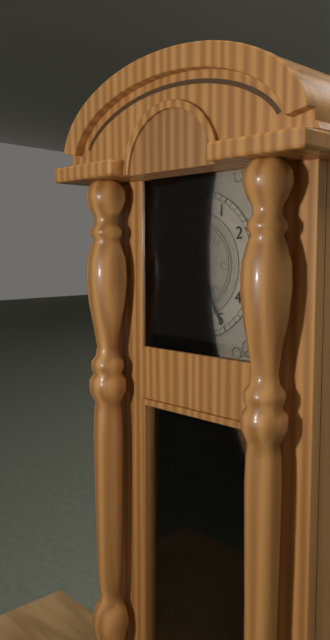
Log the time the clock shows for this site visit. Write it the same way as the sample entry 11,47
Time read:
10,25
